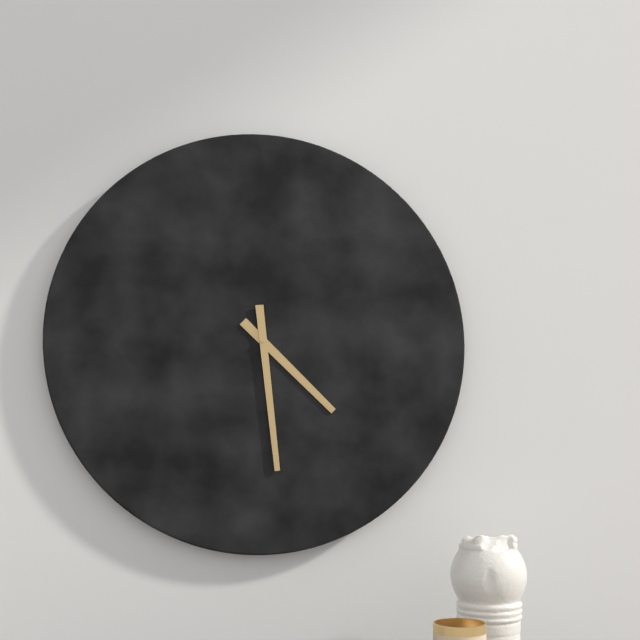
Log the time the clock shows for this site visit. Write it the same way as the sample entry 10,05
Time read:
4,29
